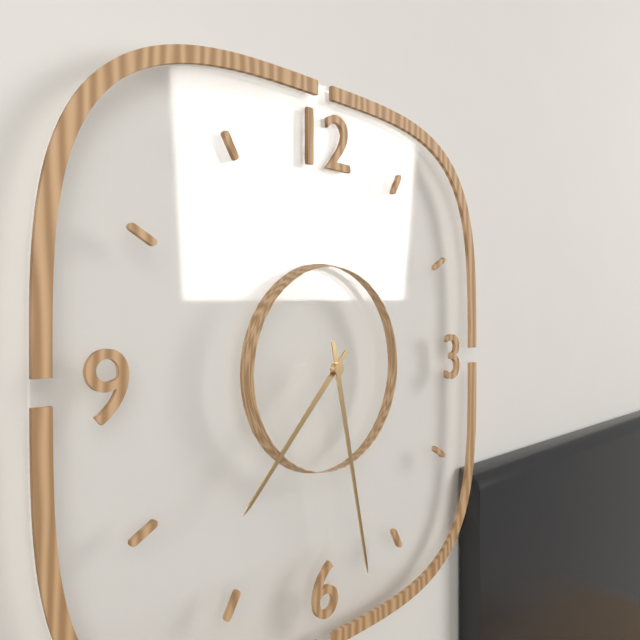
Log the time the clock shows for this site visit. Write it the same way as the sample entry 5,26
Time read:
7,28
